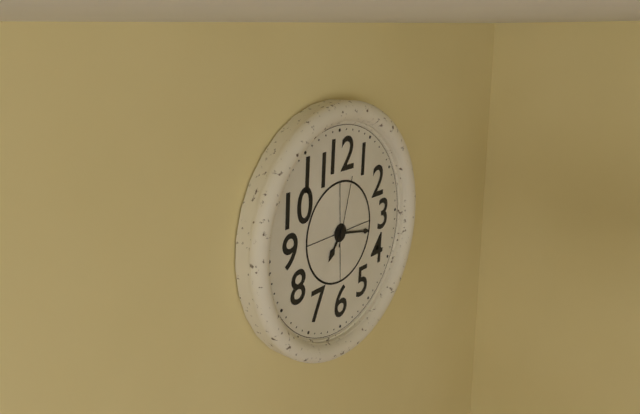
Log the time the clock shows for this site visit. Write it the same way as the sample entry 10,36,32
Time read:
7,17,03
